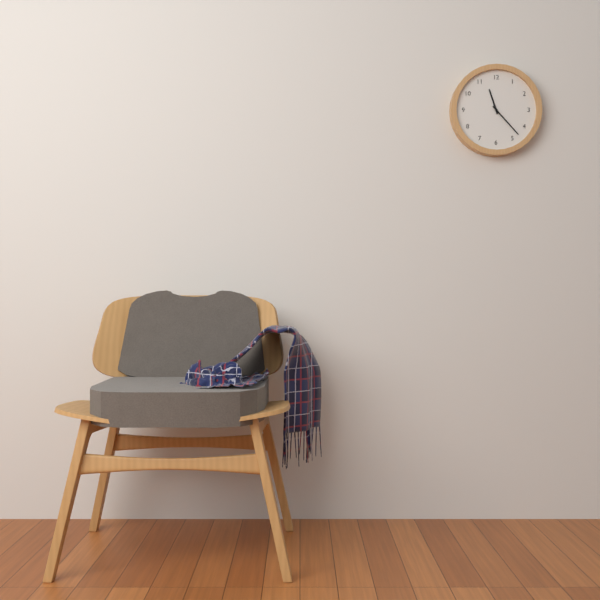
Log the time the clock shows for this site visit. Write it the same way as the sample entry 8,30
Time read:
11,23
